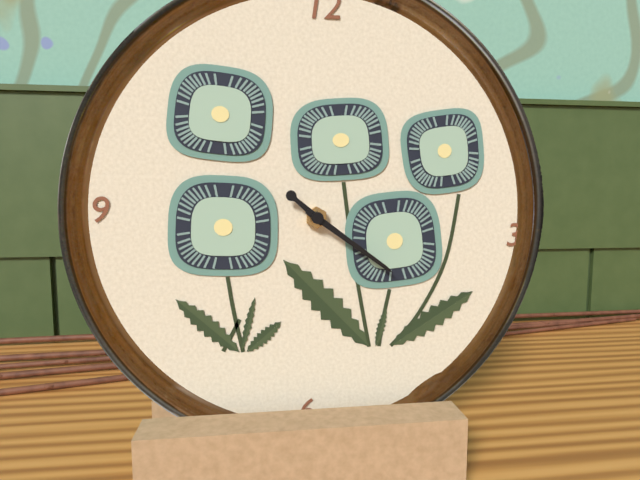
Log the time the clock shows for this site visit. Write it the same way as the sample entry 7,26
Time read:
10,21
